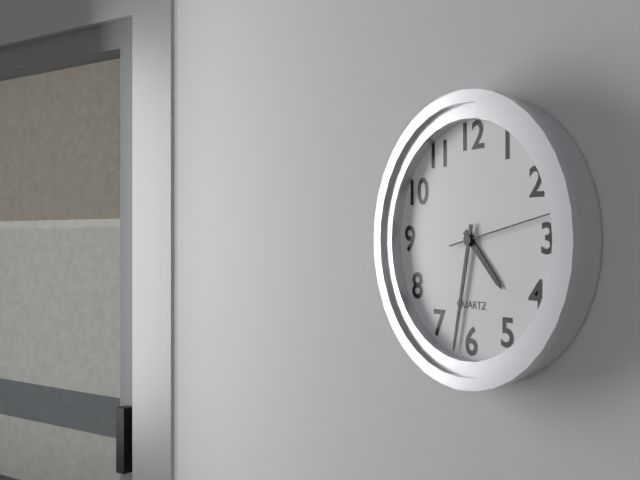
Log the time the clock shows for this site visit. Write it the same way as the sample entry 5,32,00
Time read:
4,32,13
